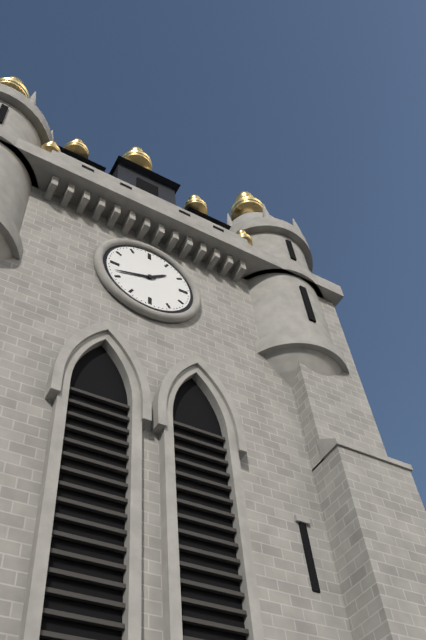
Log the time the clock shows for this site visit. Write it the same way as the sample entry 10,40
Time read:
1,42
